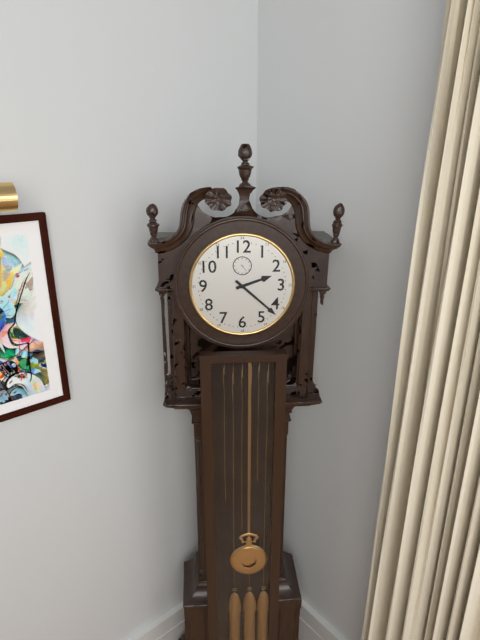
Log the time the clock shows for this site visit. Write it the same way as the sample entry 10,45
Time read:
2,22
